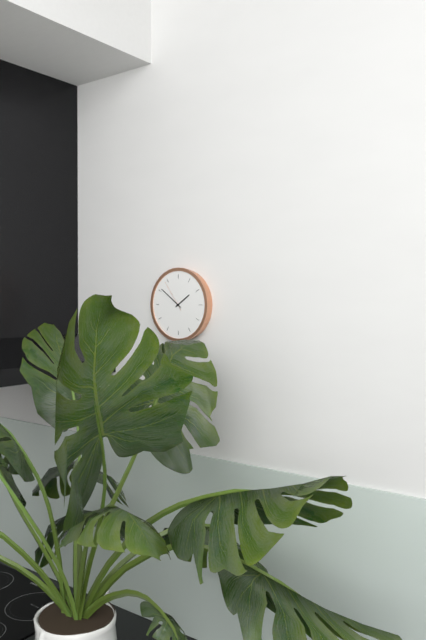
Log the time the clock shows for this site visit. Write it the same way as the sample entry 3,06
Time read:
1,51
